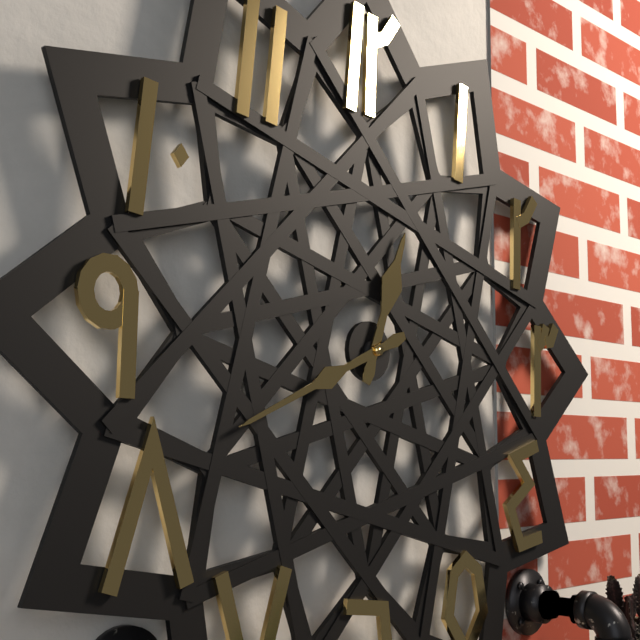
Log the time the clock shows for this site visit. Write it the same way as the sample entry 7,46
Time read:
12,41
